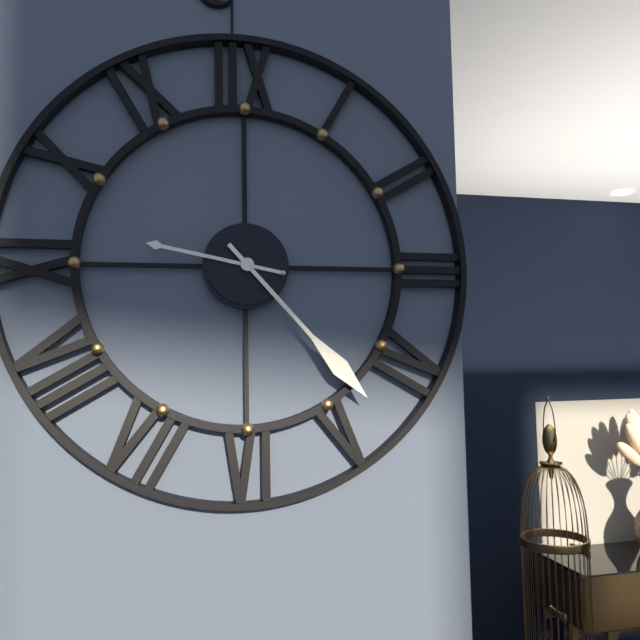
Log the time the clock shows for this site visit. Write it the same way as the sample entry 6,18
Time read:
9,23
